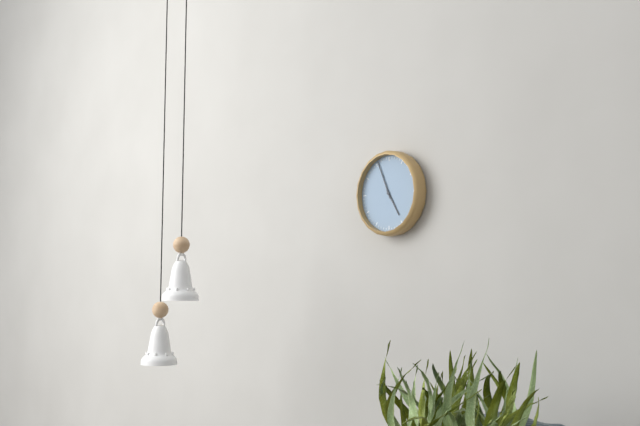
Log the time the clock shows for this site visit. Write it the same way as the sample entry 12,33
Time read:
4,56
